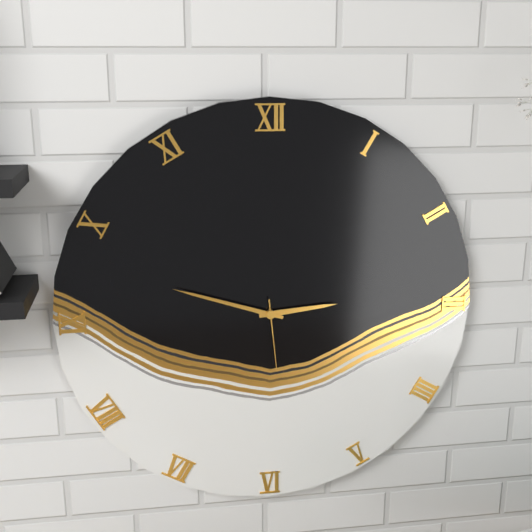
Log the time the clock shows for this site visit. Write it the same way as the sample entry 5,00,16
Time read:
2,48,29
